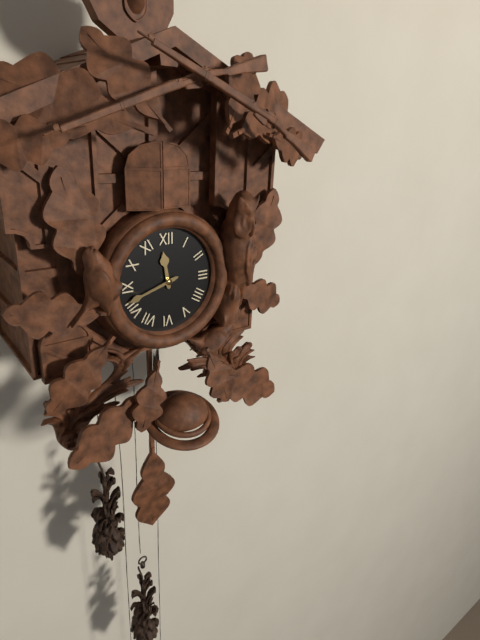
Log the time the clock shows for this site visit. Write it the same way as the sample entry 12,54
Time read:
11,42
